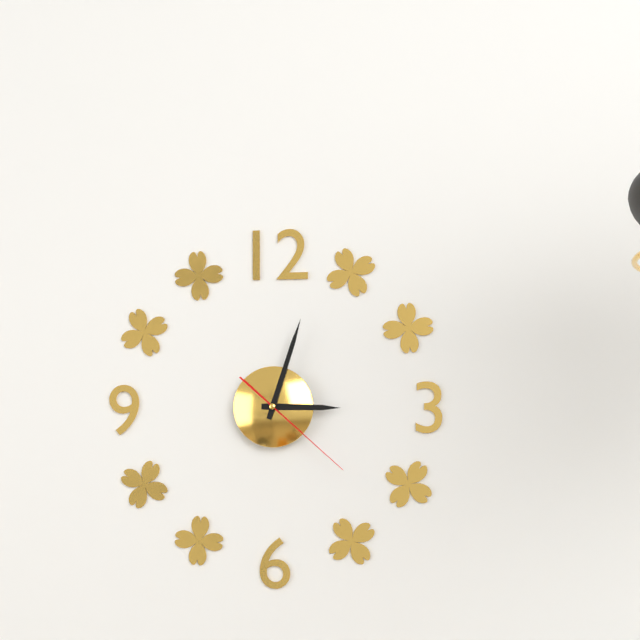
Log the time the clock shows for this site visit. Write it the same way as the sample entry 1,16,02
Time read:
3,03,22
